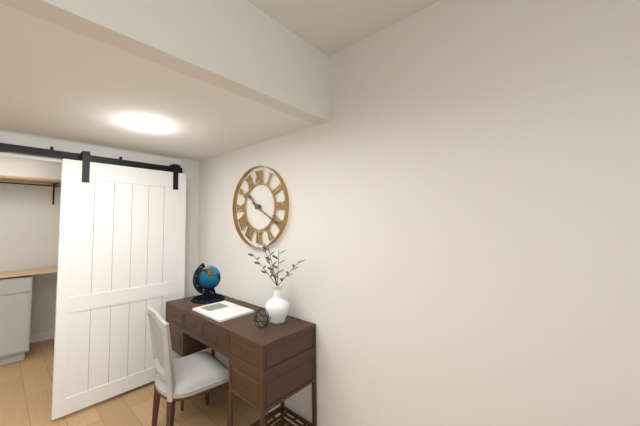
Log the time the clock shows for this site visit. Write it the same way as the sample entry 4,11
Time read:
10,20
